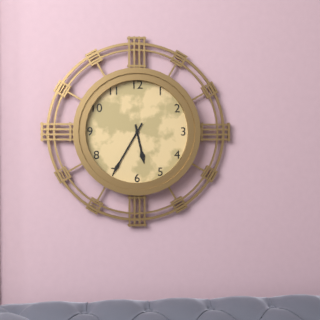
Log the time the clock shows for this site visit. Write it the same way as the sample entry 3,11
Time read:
5,35
